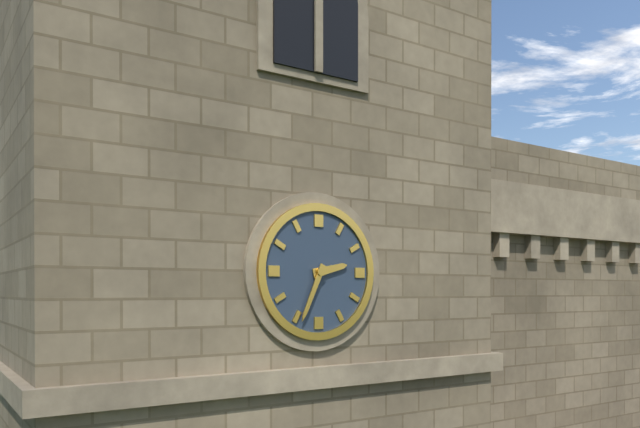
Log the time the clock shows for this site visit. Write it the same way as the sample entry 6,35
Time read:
2,34
